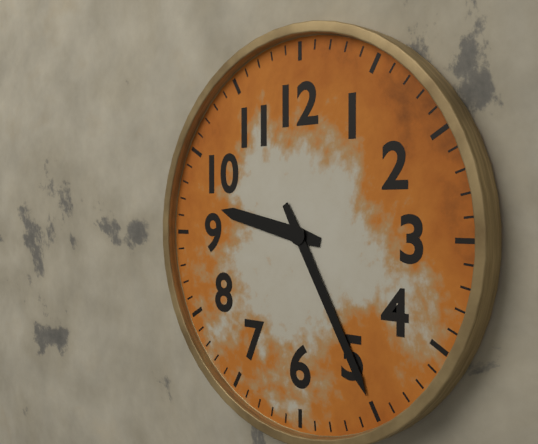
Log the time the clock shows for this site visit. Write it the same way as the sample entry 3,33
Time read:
9,25
